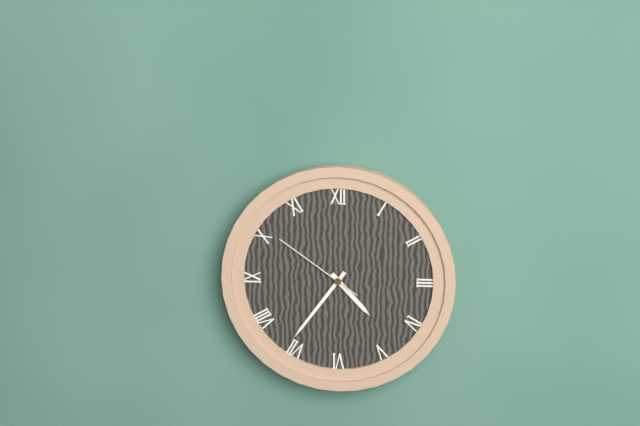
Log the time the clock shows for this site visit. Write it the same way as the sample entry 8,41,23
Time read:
4,36,51
